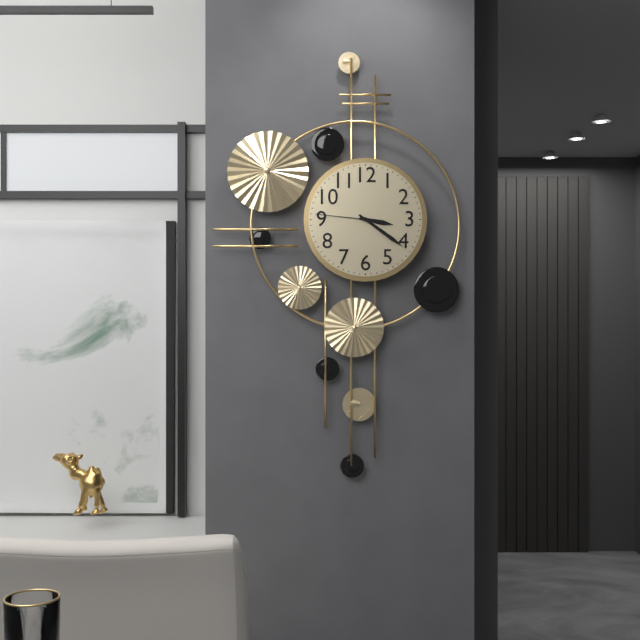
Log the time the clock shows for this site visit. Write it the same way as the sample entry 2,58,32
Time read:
3,21,46
